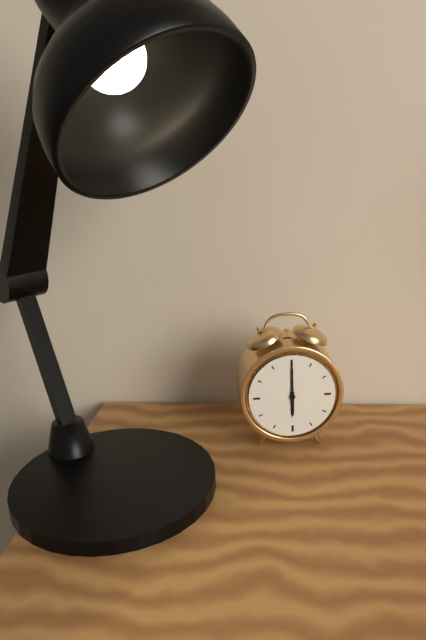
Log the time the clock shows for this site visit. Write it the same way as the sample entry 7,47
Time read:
6,00
